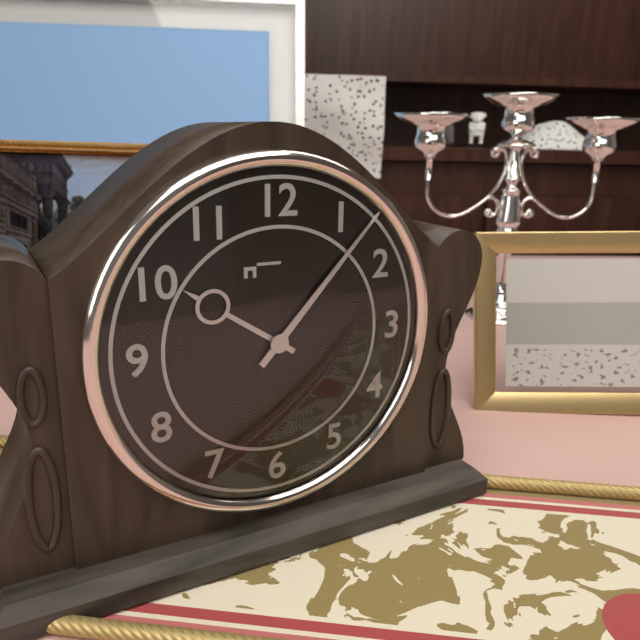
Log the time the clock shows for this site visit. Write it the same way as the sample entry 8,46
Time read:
10,07
